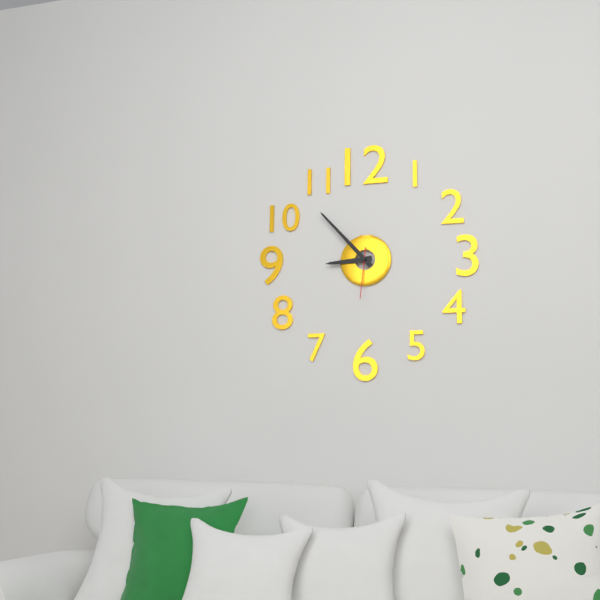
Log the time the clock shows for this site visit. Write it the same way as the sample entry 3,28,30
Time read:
8,53,31
